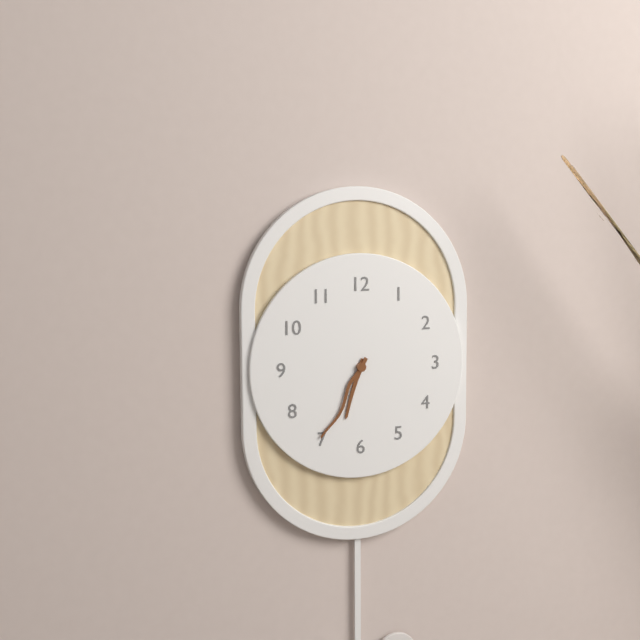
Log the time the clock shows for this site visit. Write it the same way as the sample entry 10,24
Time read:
6,35
